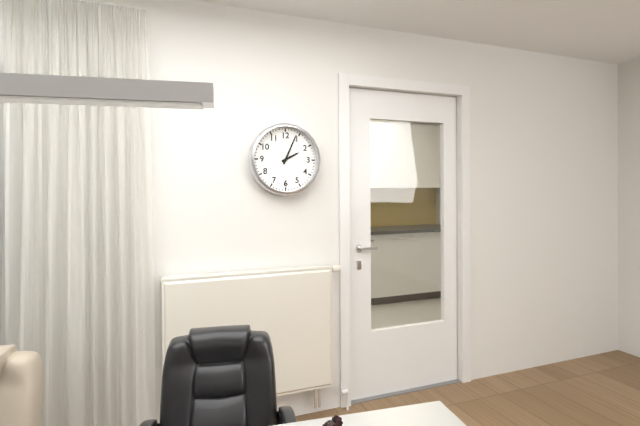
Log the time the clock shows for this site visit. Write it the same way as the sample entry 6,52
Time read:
2,04
